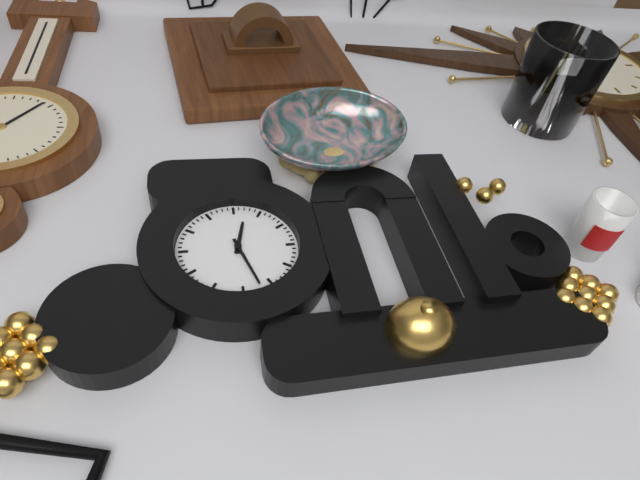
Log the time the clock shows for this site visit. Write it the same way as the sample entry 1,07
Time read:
12,27
